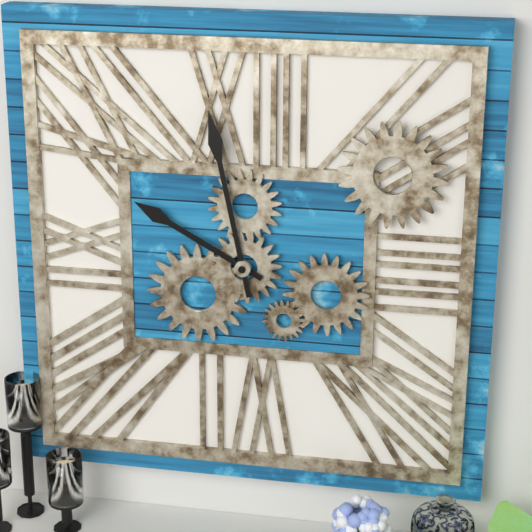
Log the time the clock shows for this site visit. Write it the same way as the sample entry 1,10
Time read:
9,58
